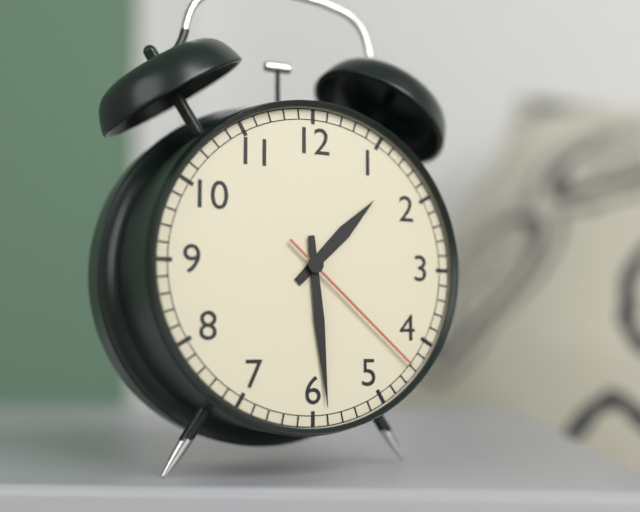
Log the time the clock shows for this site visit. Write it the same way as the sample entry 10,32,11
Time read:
1,29,22
